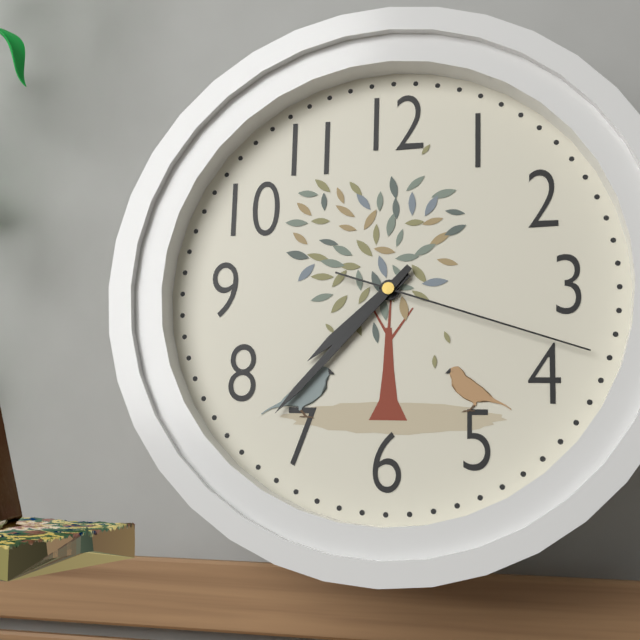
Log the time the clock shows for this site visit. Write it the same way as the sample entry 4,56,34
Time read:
7,37,18
